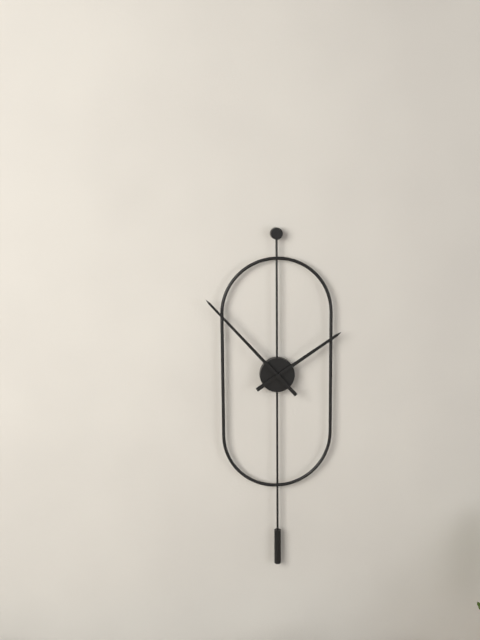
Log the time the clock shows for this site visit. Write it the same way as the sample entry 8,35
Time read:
1,53
